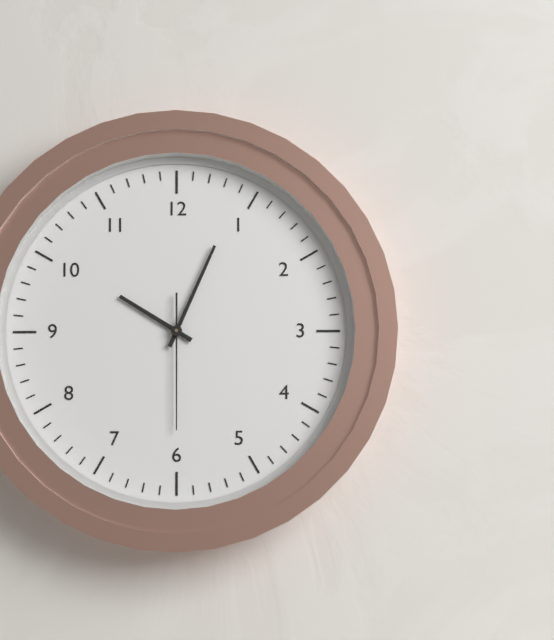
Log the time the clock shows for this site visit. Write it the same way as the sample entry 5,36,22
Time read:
10,04,30
